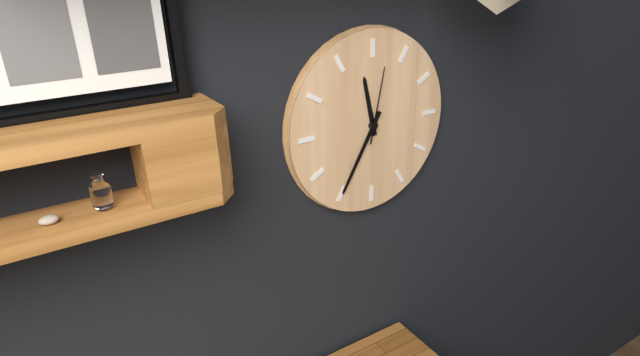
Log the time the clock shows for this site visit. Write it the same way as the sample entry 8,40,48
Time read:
11,35,02
